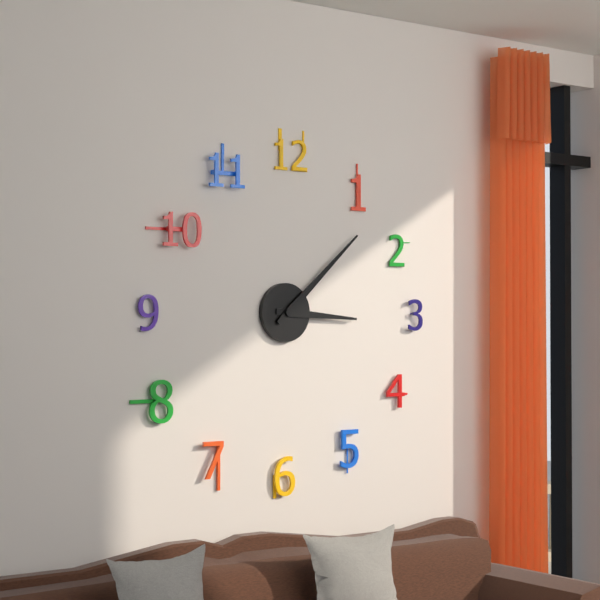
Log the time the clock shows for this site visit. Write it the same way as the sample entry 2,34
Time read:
3,08
